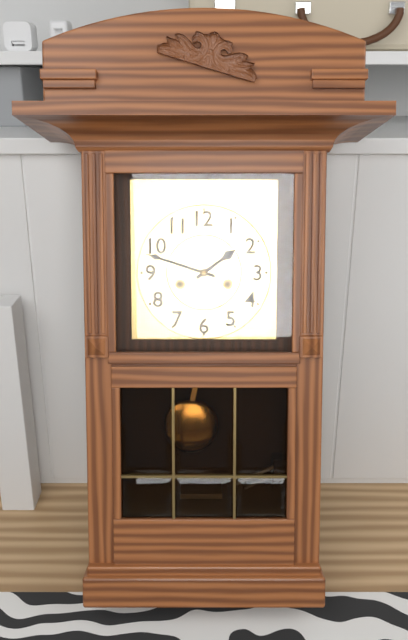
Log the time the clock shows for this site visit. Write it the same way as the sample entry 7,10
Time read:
1,48
